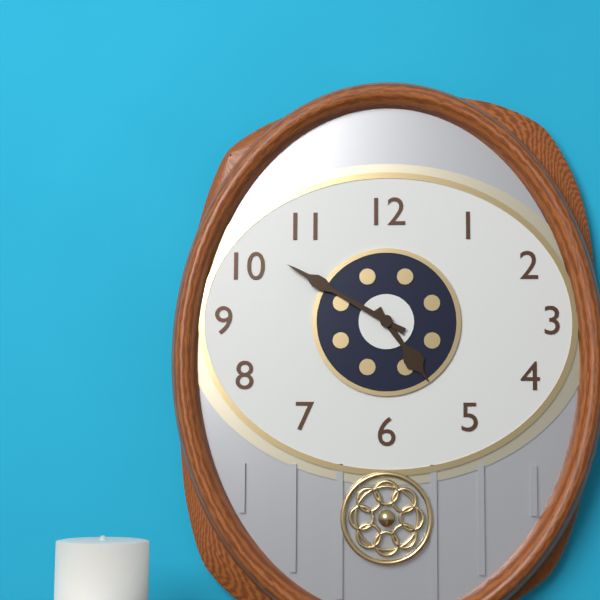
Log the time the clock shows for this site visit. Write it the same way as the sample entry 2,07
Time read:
4,50
